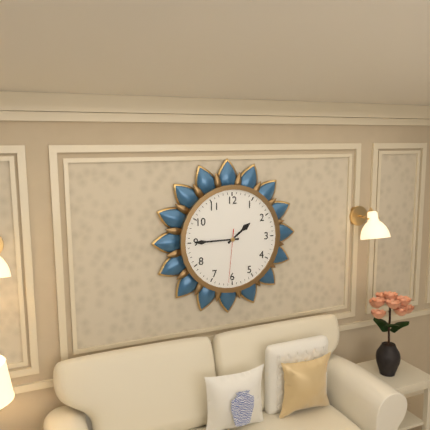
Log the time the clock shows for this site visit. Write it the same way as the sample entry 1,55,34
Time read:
1,45,31
